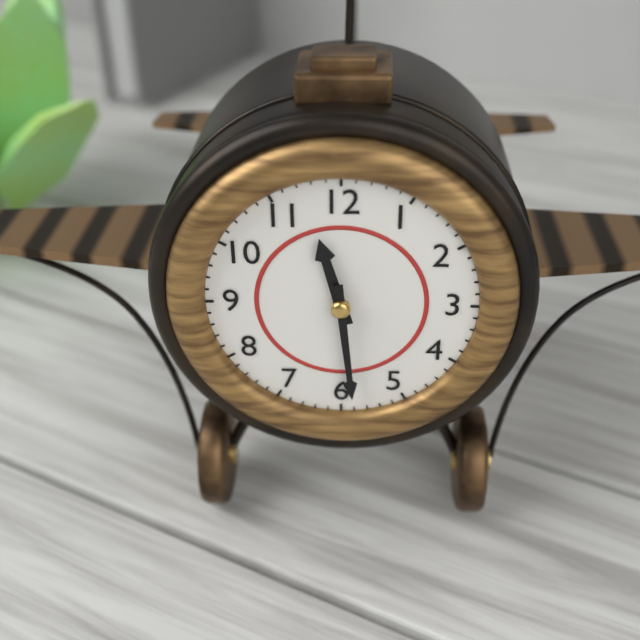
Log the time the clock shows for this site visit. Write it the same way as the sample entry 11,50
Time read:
11,29
